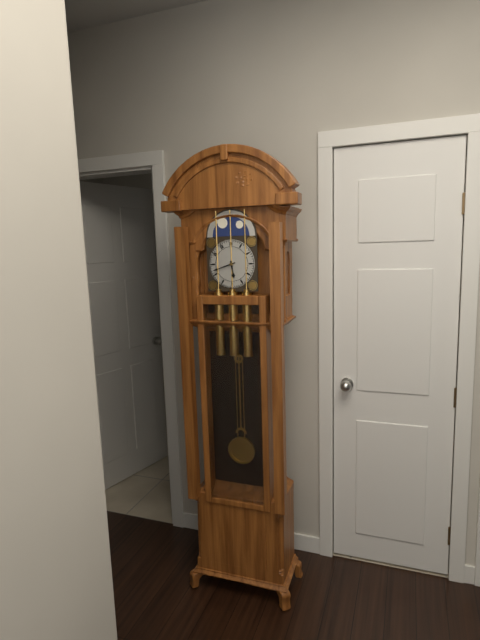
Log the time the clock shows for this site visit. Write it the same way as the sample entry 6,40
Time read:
5,42
